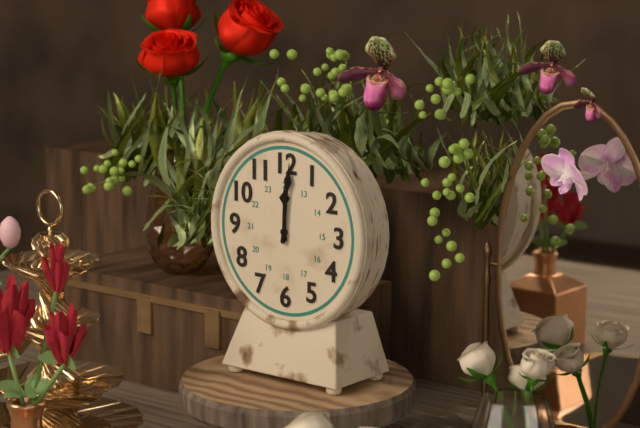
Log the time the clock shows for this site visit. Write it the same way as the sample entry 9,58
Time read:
12,01
